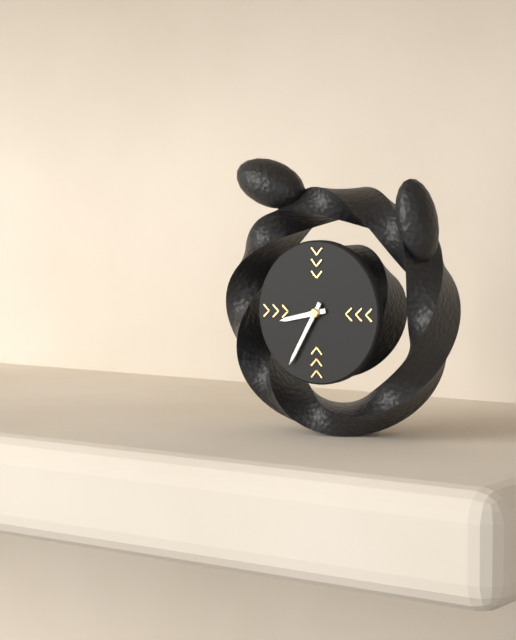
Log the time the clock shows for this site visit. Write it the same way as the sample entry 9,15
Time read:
8,35
